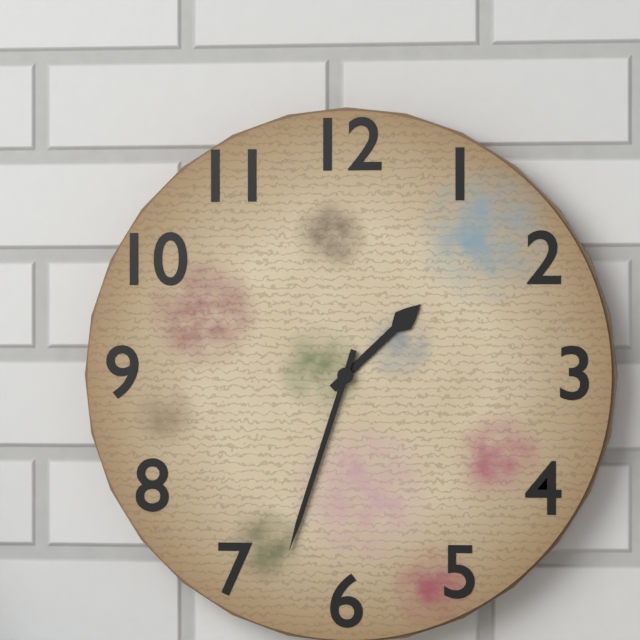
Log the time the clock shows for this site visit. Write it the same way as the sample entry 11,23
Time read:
1,33
